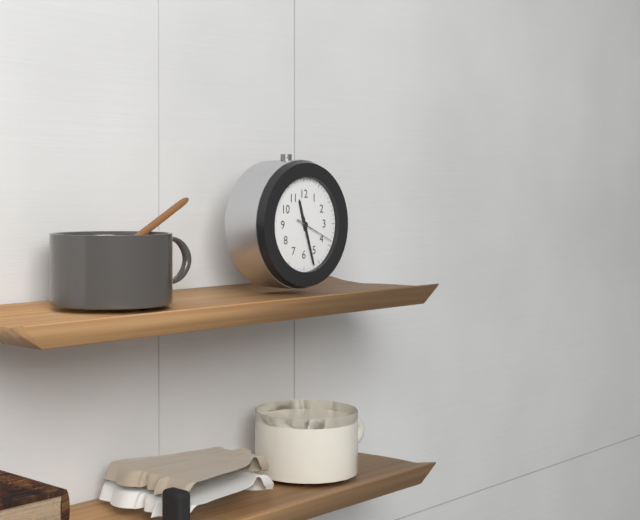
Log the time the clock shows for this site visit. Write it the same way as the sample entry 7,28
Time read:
11,27
